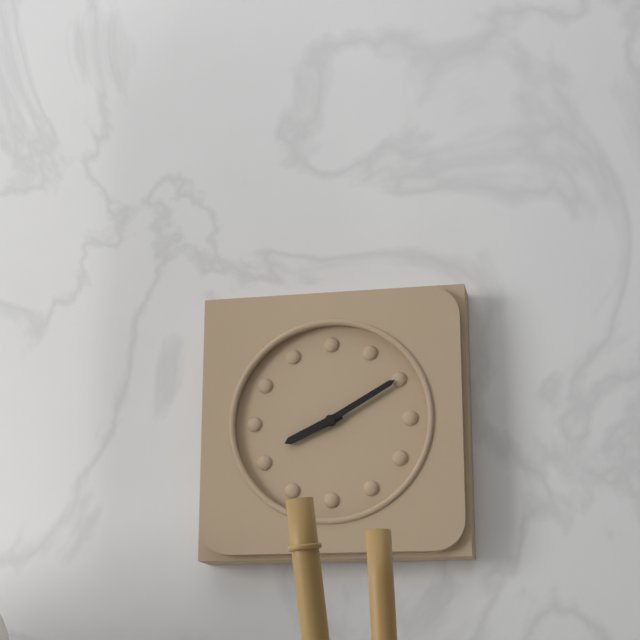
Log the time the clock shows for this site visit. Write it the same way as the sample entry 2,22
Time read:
8,10
